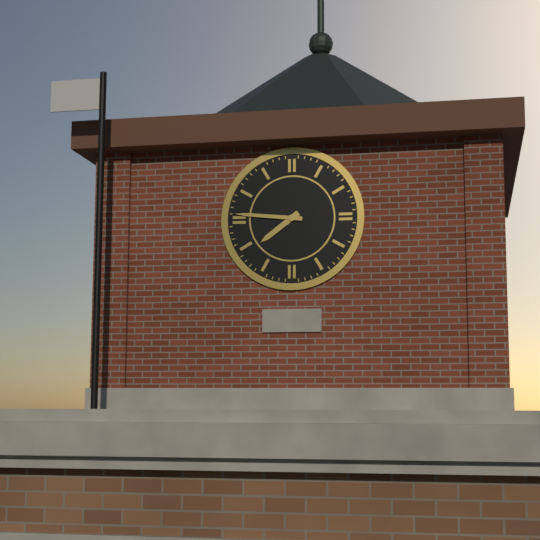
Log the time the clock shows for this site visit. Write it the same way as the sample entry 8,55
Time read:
7,46
